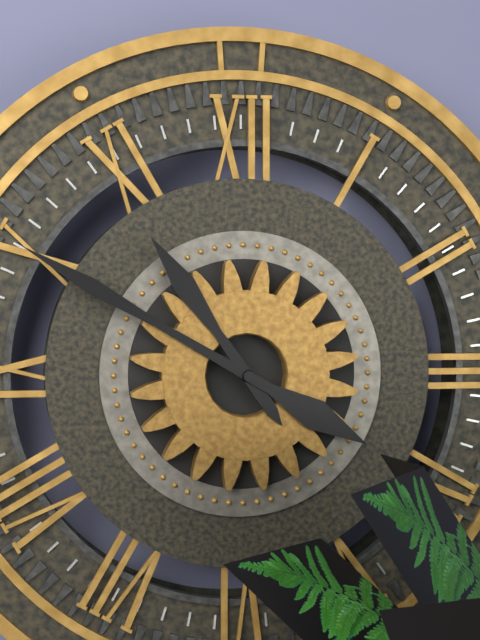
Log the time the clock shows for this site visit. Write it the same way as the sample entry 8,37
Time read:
10,50
